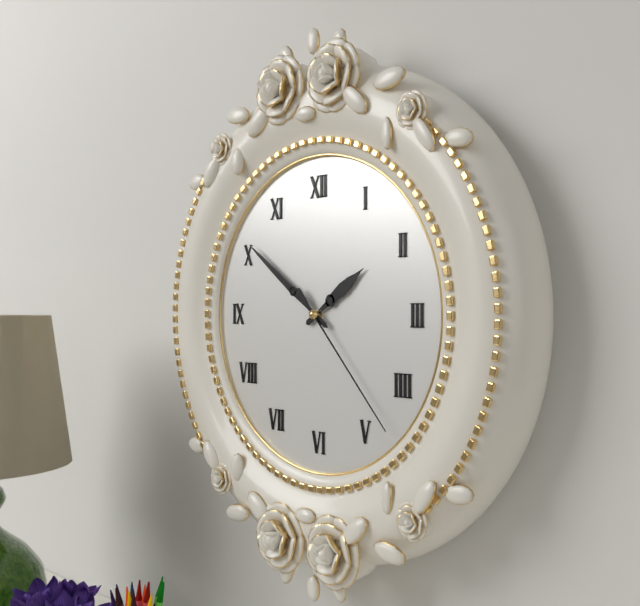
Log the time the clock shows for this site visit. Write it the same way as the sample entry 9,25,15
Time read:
1,51,23
